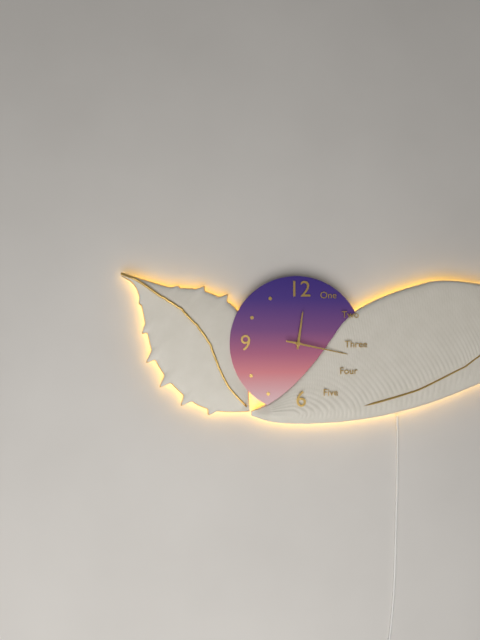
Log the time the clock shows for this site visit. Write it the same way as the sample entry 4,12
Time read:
12,17
